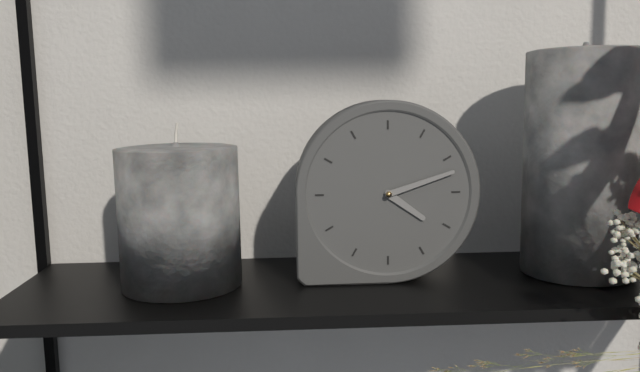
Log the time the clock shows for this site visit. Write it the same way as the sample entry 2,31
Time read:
4,12
